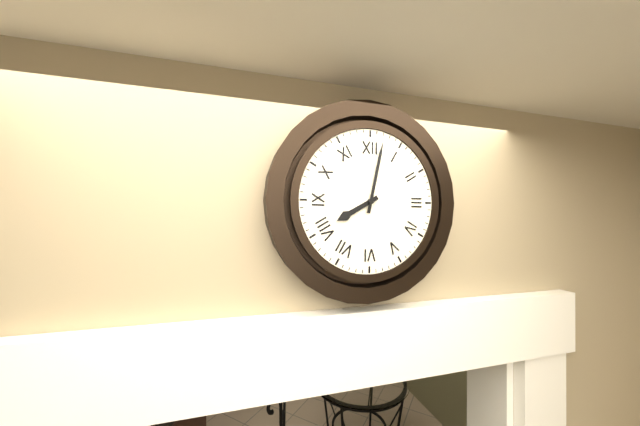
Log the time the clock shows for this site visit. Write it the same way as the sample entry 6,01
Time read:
8,02
